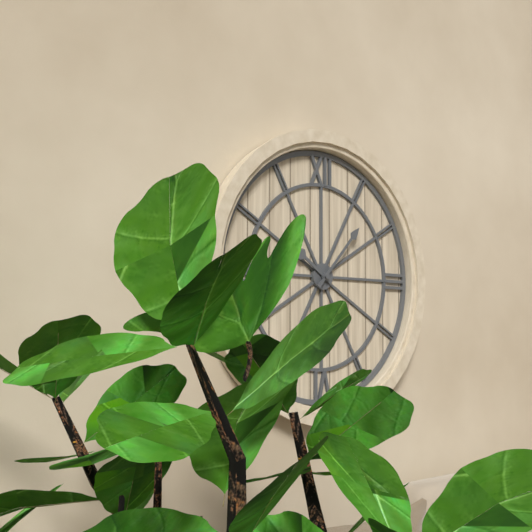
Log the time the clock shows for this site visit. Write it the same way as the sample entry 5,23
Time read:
10,07
